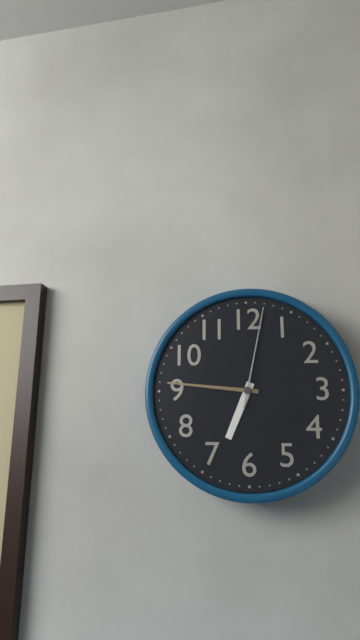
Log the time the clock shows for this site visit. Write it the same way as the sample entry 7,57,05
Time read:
6,46,02
